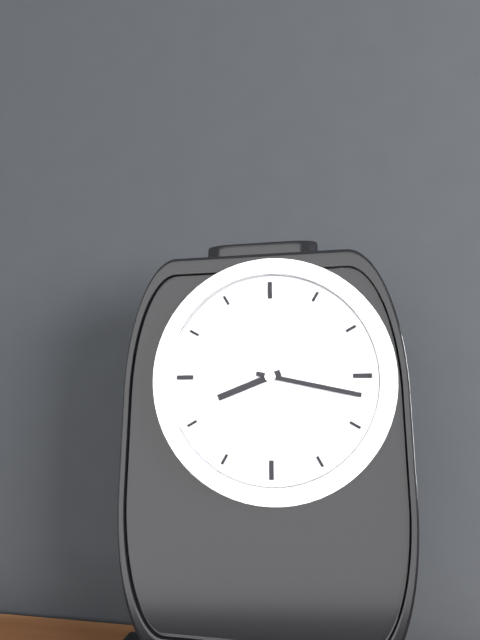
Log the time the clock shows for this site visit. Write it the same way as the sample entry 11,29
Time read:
8,17
